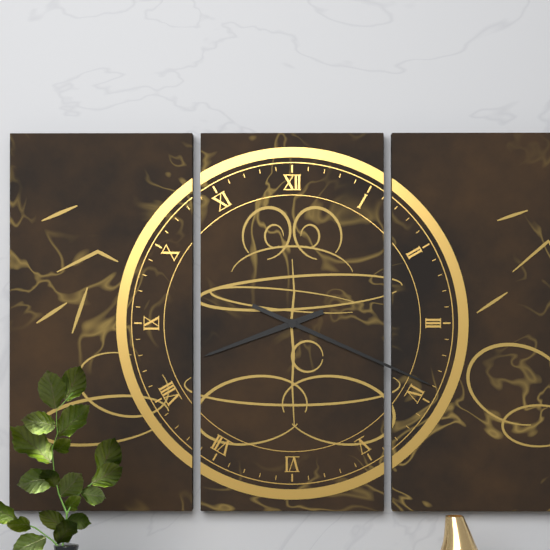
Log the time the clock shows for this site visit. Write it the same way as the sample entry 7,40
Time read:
8,19
